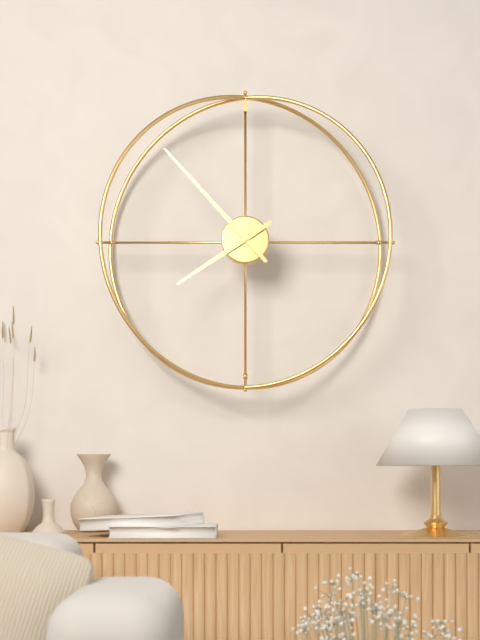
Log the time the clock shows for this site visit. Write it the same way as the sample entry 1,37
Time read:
7,53
